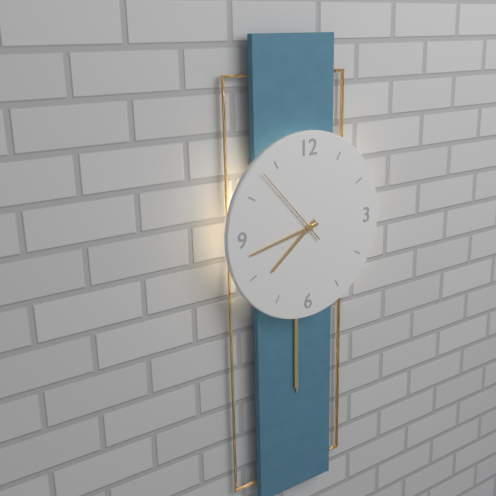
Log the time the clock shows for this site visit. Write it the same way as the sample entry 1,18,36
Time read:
7,43,53
